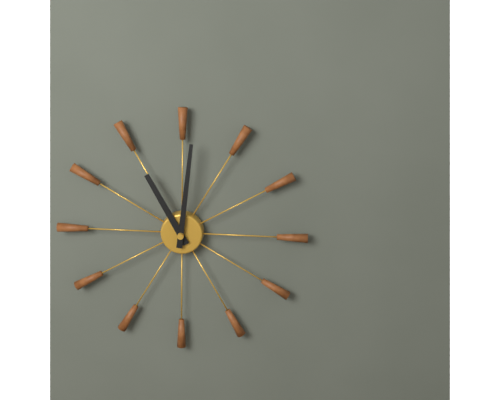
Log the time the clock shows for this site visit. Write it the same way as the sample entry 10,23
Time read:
11,01
